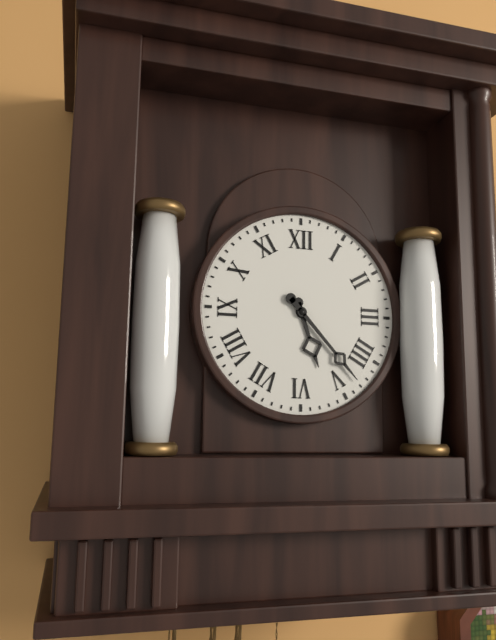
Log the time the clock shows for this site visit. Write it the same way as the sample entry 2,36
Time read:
5,23
